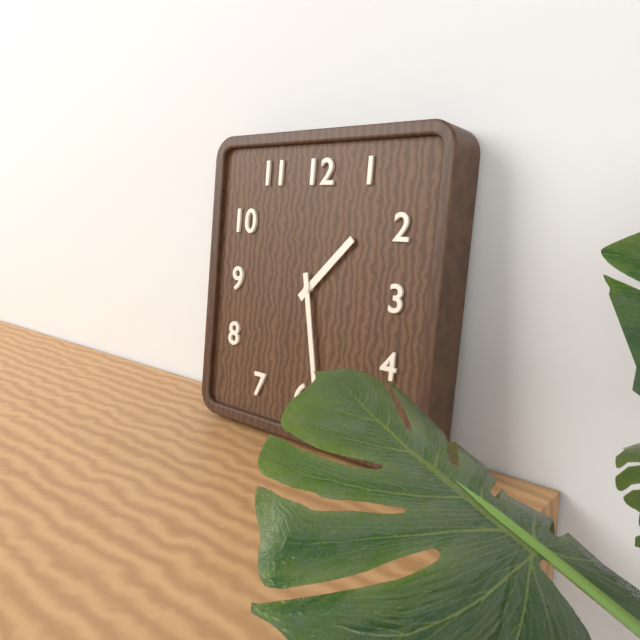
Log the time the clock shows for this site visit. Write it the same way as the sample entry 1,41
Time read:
1,28
